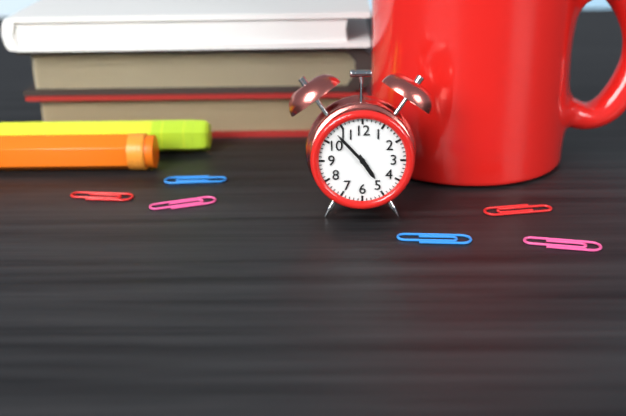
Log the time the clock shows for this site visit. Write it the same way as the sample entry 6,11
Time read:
4,53
